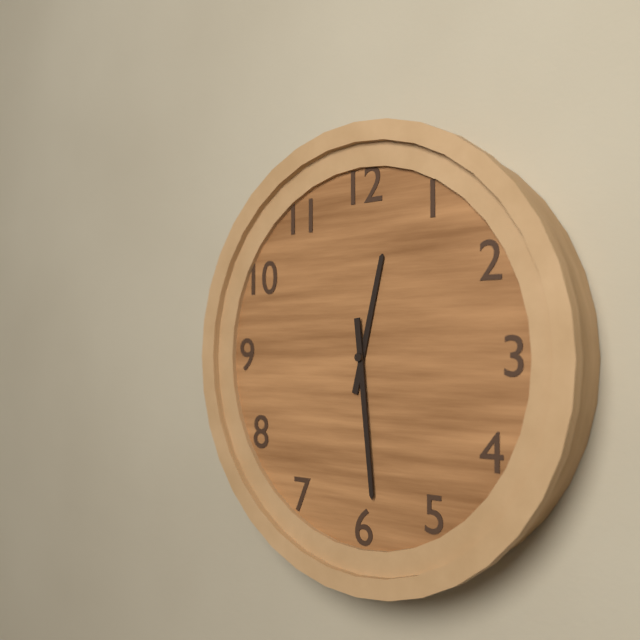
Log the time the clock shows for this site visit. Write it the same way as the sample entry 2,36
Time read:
12,29
